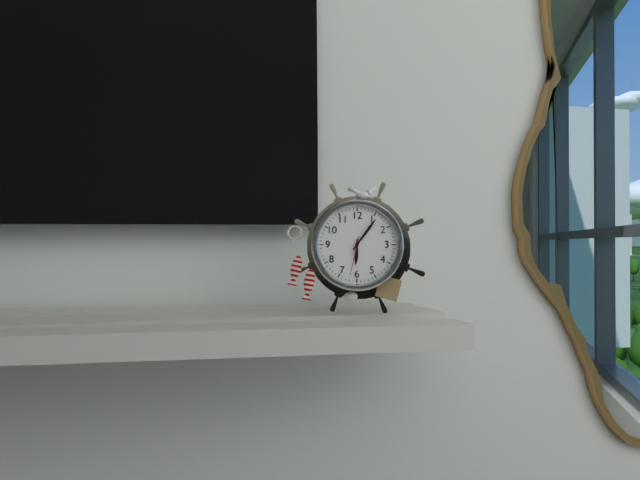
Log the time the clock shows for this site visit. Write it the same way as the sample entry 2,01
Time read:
6,06
